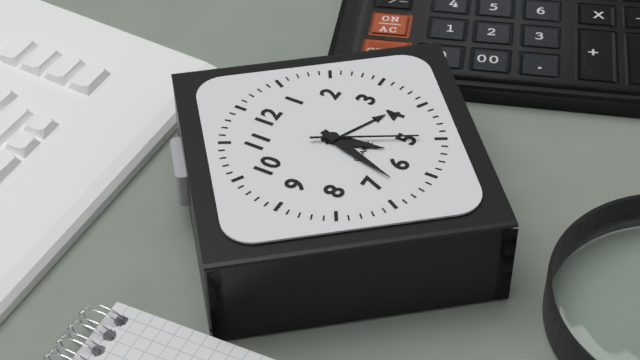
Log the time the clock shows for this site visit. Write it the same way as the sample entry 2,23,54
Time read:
5,33,25
